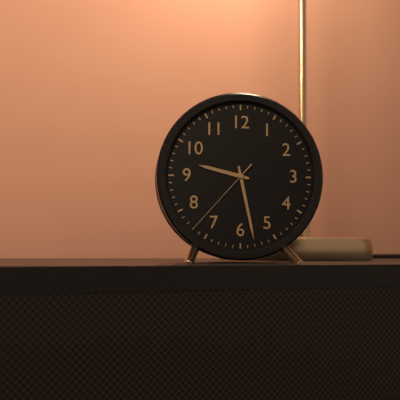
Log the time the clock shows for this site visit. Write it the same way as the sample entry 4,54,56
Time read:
9,28,37
